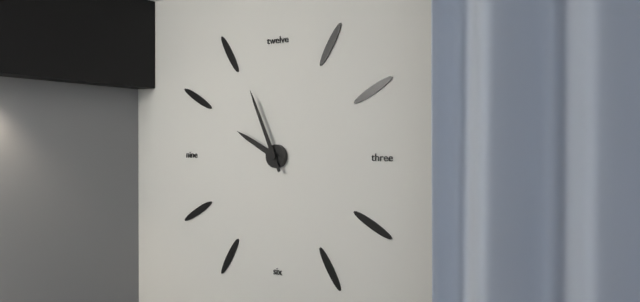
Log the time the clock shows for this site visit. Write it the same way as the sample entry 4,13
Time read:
9,56
